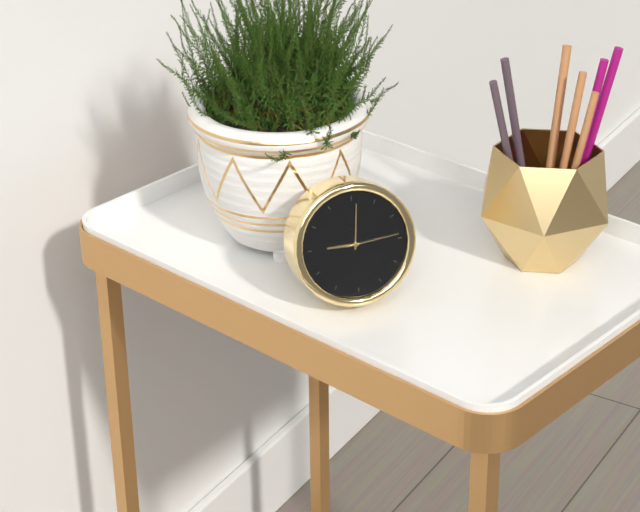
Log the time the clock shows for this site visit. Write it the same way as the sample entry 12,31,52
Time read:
9,01,14
